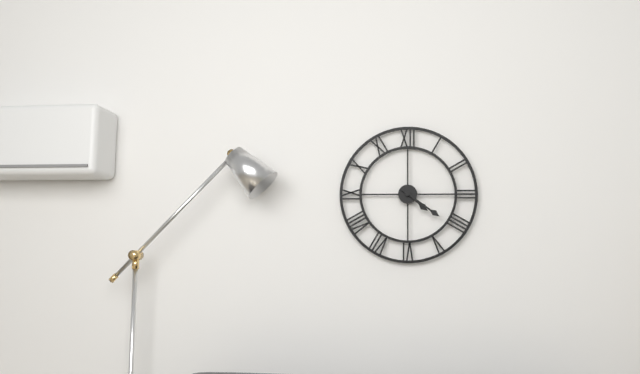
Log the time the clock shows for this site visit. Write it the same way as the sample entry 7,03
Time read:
4,21
